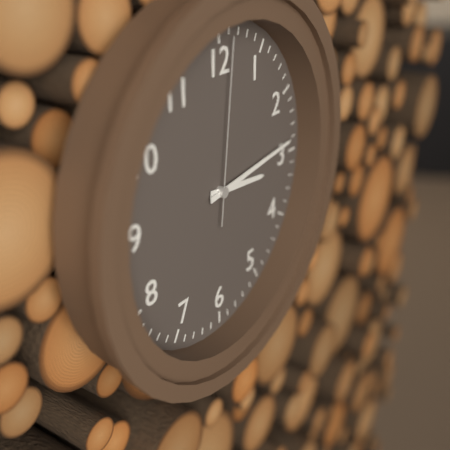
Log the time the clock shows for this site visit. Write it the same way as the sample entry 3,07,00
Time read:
3,14,01
